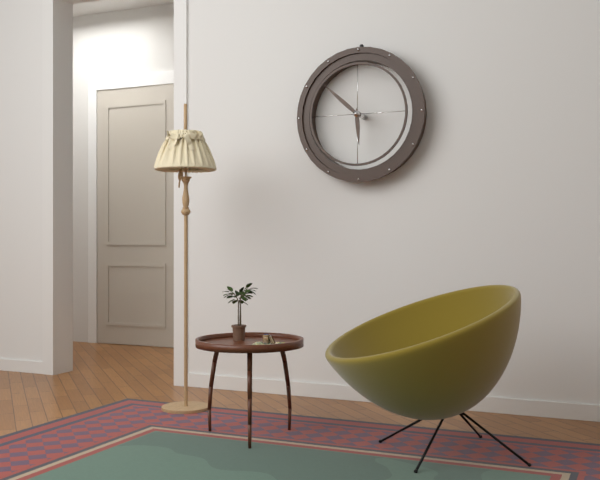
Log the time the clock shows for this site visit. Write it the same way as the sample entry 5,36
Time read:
5,52
